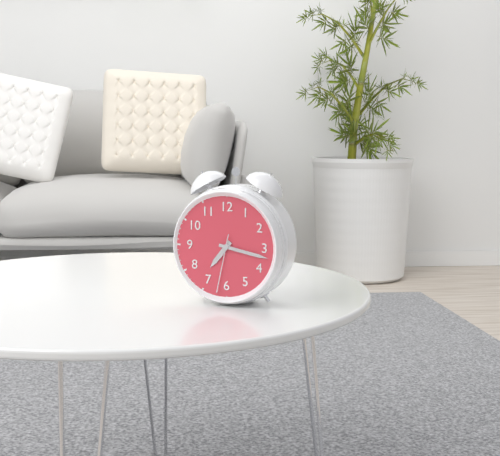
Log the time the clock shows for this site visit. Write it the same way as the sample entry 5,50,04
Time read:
7,17,32
